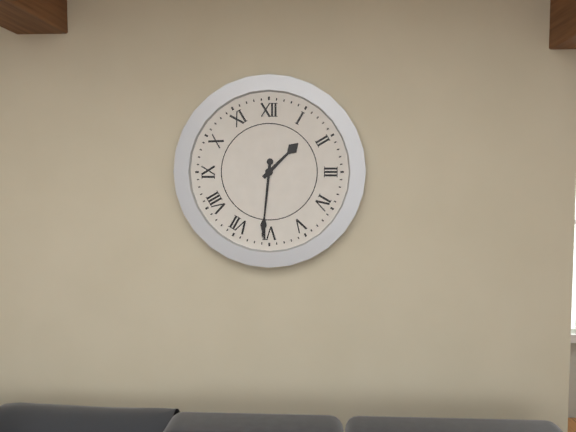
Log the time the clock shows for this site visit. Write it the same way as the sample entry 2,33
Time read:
1,31
